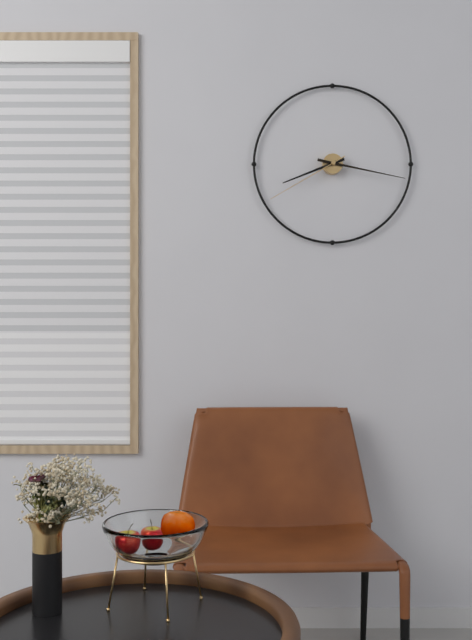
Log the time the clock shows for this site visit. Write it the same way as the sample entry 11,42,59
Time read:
8,17,40
